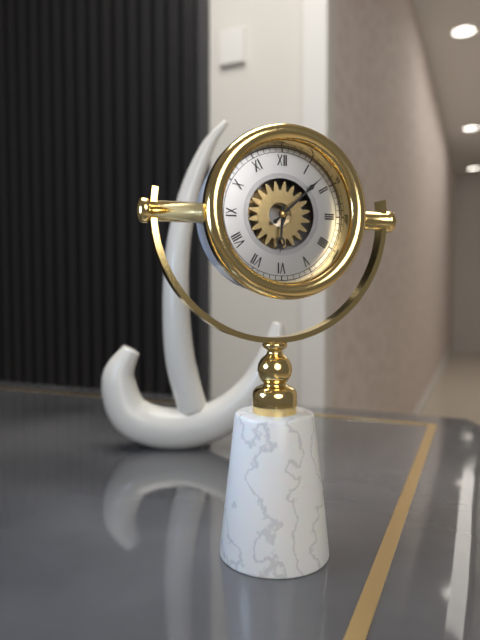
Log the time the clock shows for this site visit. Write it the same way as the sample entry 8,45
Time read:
6,08
